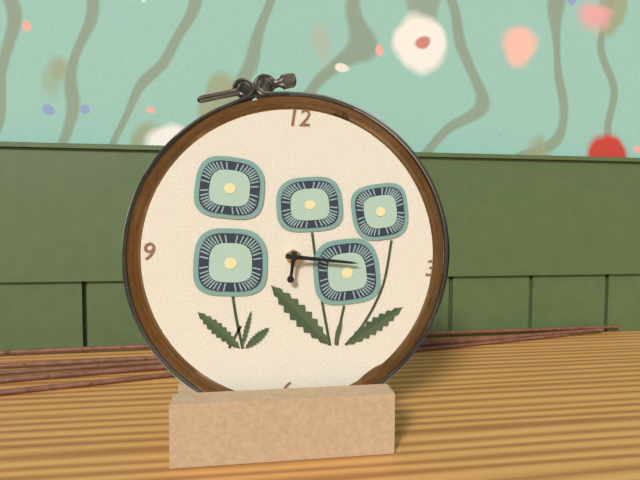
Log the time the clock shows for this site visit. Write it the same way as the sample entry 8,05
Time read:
6,16
